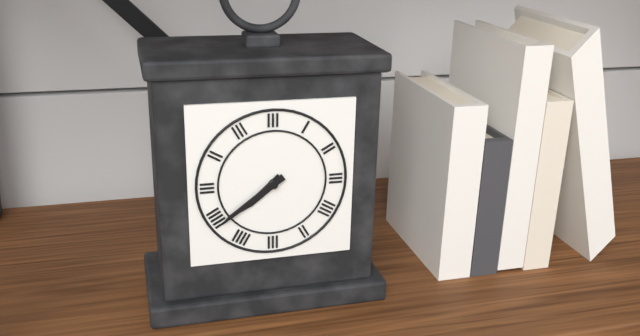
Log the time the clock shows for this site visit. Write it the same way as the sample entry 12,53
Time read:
7,39
